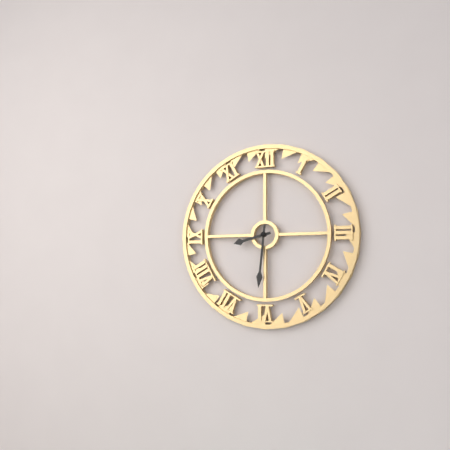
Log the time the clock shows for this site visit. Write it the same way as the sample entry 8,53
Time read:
8,31
